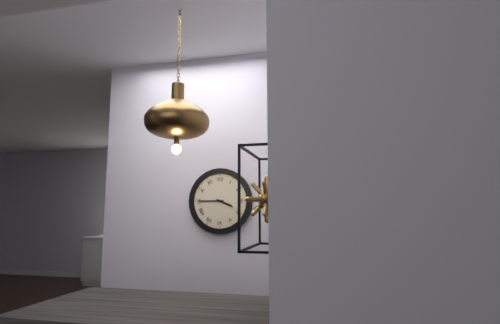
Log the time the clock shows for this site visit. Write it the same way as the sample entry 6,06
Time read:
3,45
